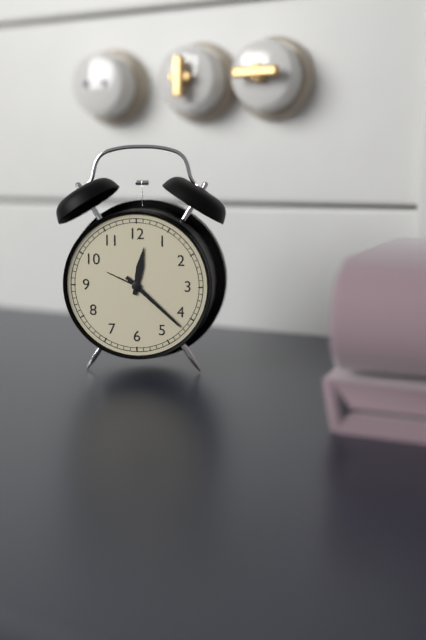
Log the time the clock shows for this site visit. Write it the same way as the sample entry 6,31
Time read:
12,22
